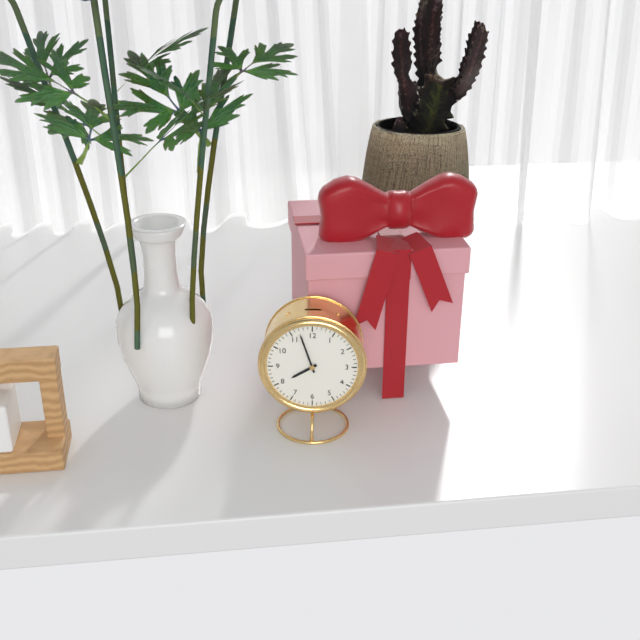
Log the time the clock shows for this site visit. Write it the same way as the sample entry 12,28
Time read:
7,57
